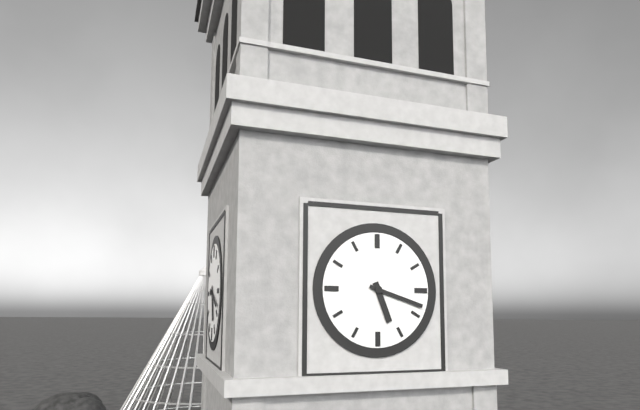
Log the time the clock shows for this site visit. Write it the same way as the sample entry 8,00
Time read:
5,18
